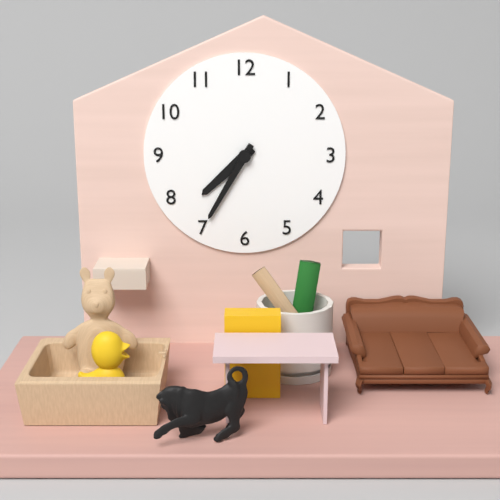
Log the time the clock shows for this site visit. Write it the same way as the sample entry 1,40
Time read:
7,35
